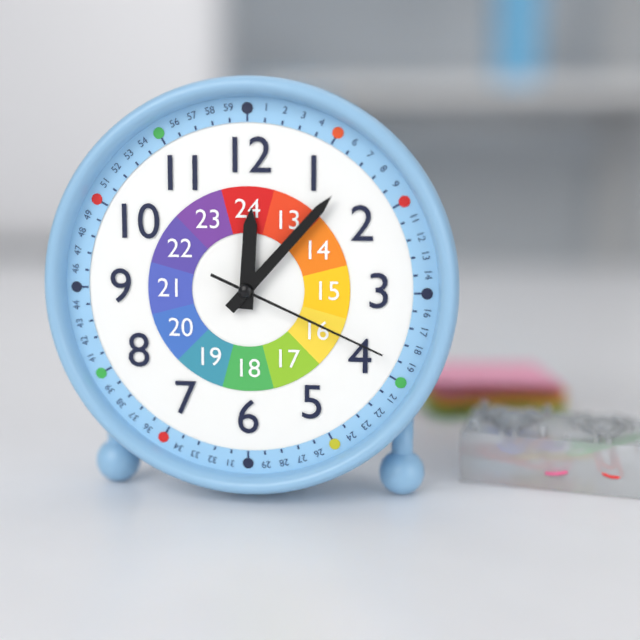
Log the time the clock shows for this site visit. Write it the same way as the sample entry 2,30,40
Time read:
12,07,19
